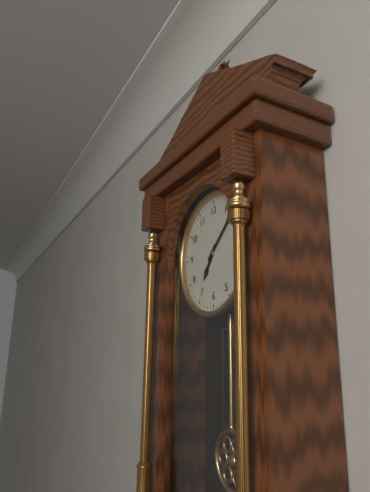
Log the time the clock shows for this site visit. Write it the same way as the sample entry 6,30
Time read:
7,08
